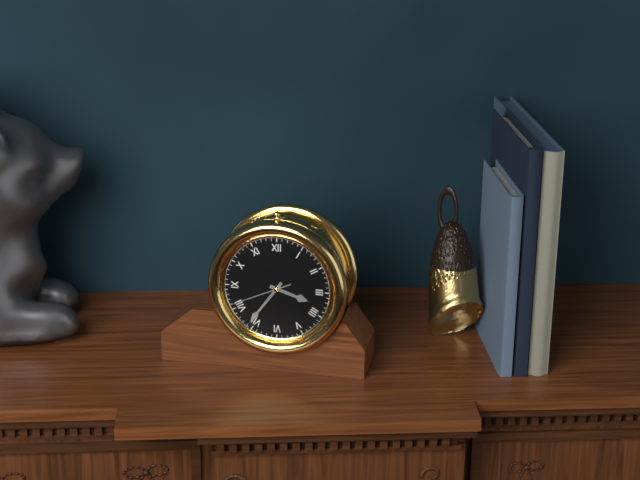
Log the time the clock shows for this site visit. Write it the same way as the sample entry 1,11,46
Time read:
3,36,41
